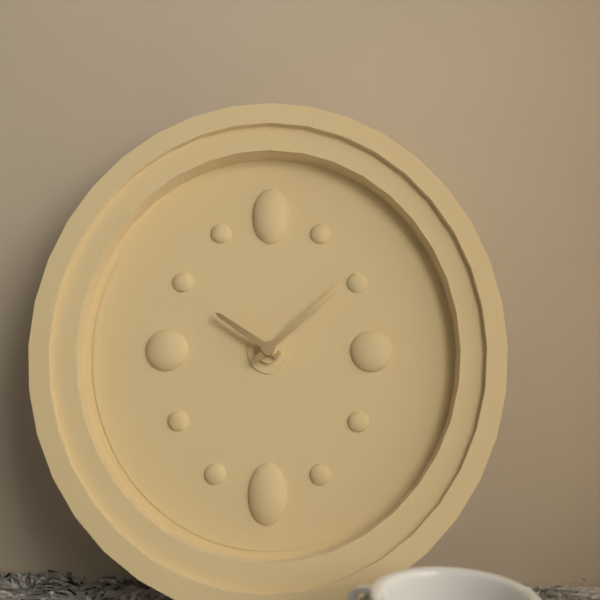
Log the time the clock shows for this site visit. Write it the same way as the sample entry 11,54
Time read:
10,08
